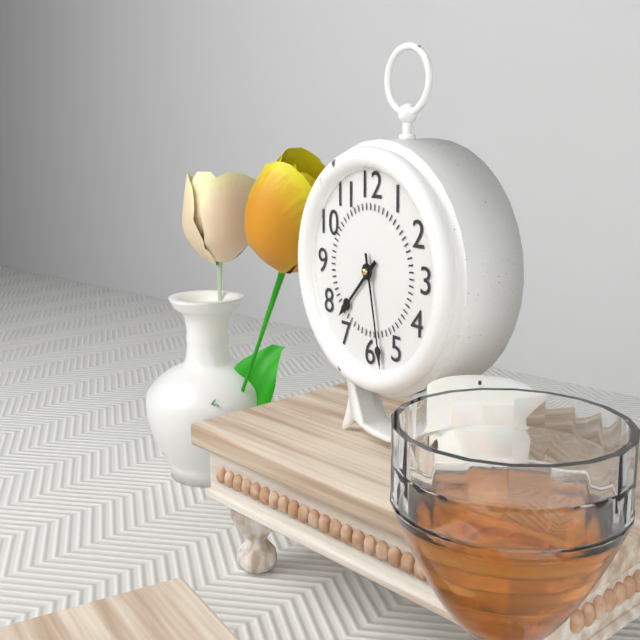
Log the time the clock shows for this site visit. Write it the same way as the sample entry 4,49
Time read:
7,28
